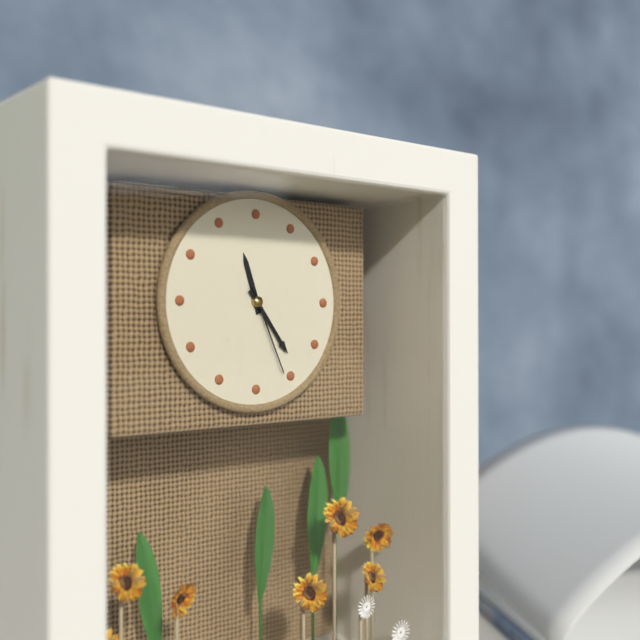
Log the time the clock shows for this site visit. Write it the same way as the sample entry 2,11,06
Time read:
11,24,26
